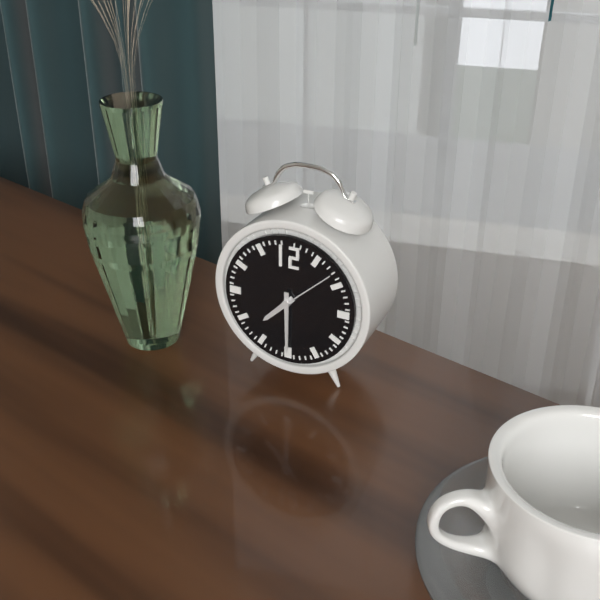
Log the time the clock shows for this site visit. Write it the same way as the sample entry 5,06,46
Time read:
7,30,08
